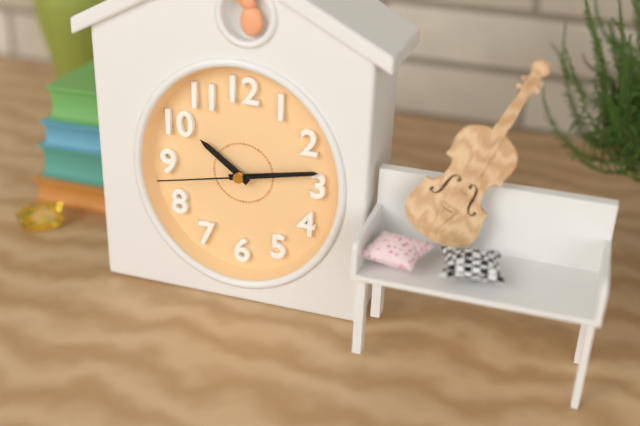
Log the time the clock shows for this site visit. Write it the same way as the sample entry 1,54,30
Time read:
10,13,43
